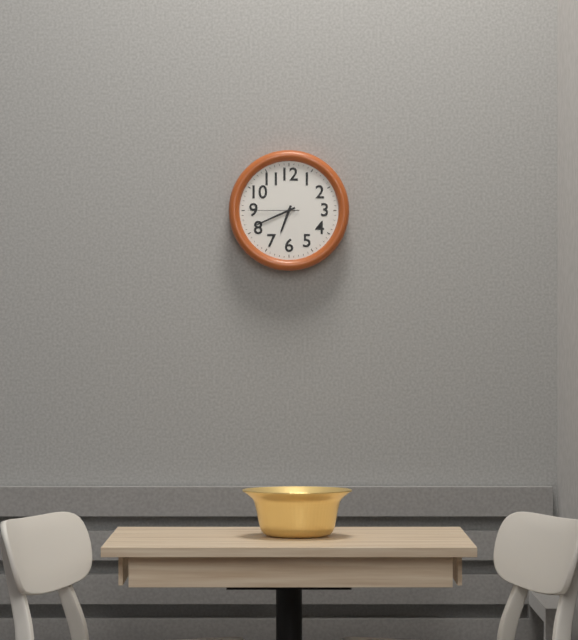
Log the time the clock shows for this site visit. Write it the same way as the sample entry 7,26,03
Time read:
6,41,45
